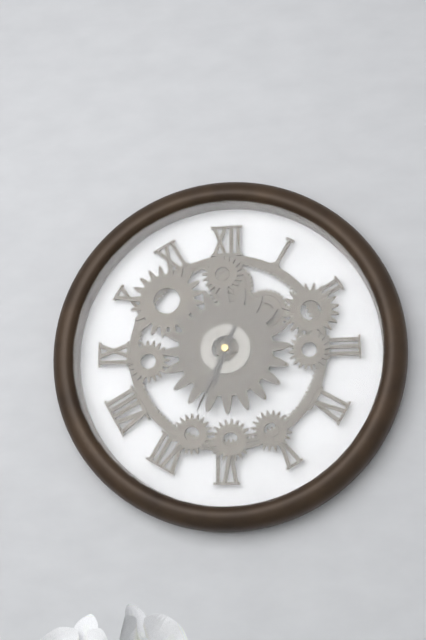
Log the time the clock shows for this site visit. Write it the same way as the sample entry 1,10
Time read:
6,34
